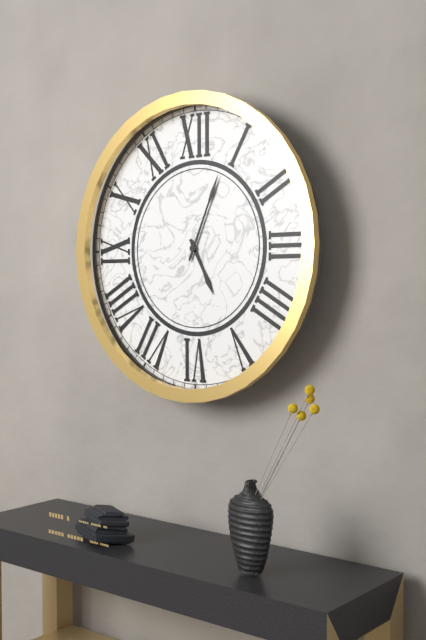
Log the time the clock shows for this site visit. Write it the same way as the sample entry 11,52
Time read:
5,04
